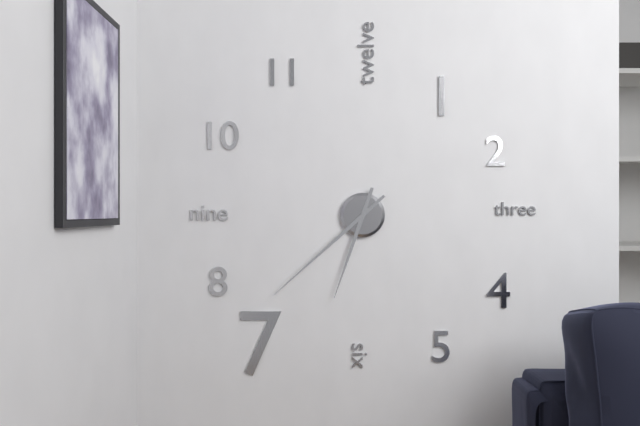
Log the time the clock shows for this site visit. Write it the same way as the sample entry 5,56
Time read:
6,38
